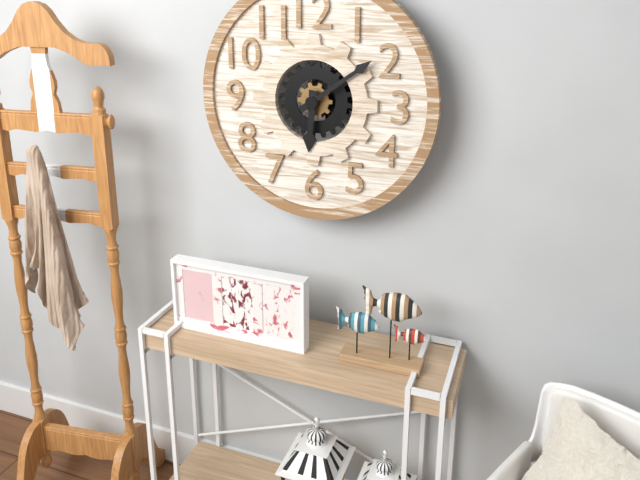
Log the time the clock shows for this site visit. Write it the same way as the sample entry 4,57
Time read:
6,09
